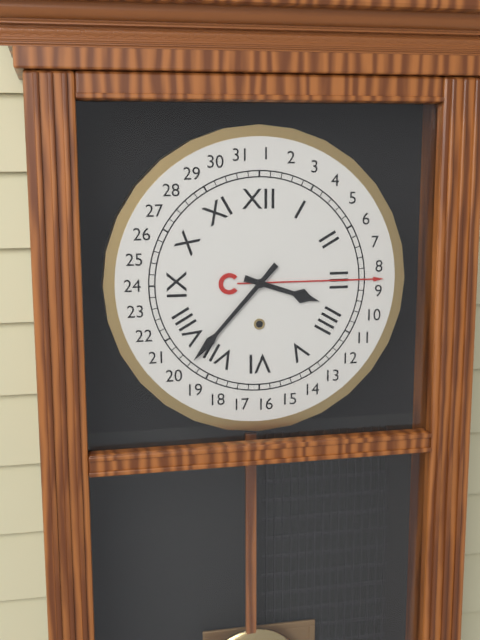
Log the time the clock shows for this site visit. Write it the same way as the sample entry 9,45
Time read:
3,37
